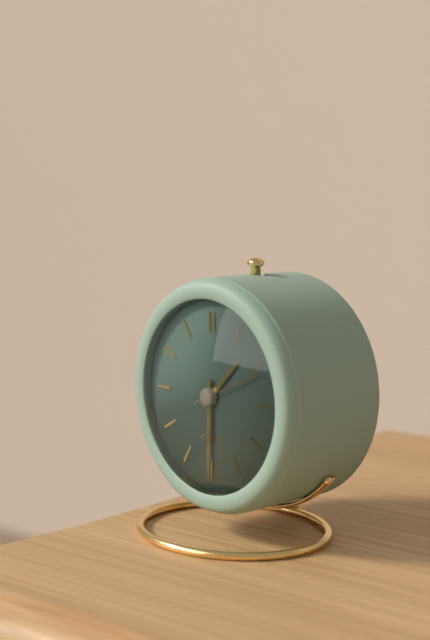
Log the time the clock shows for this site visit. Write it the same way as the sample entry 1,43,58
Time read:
1,30,11
